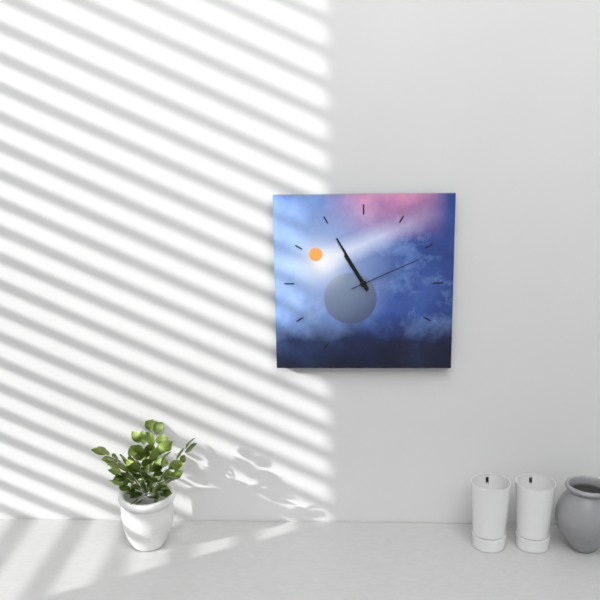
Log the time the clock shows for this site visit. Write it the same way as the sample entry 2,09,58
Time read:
10,55,11
